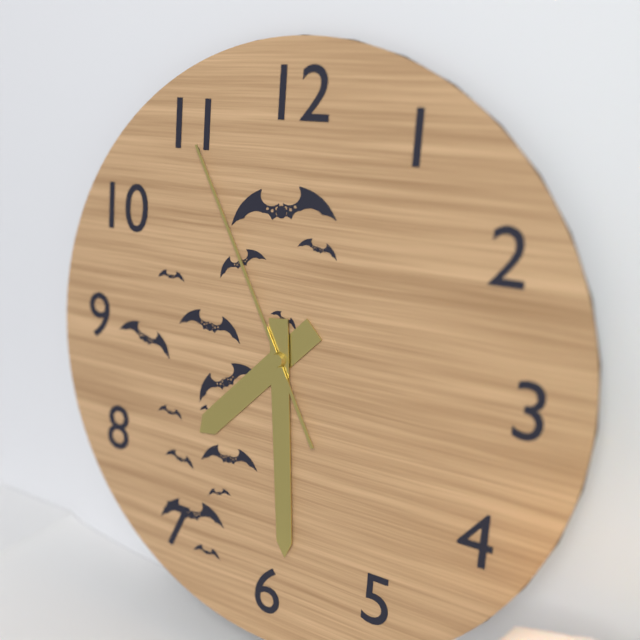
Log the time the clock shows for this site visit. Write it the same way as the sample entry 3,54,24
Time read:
7,29,55
